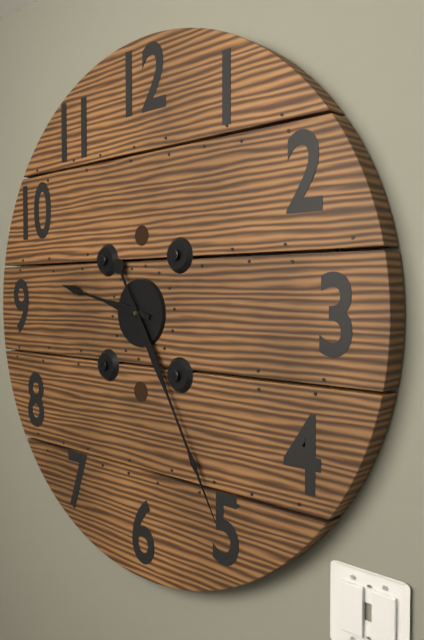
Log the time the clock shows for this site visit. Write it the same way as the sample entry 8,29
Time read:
9,25
